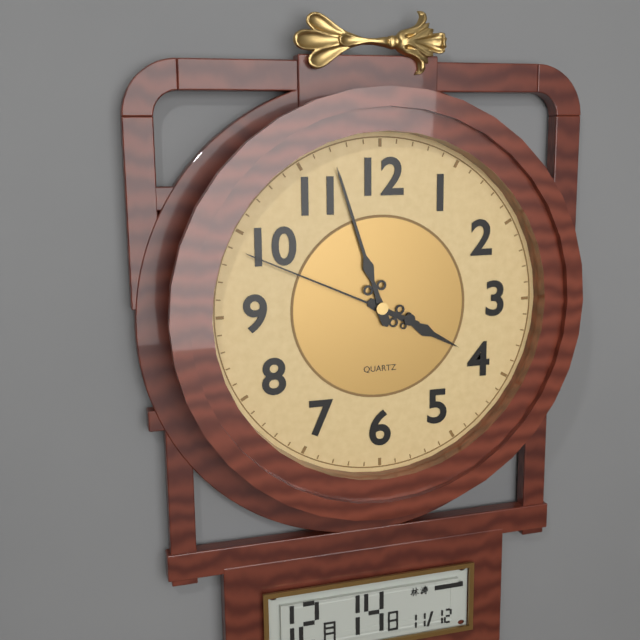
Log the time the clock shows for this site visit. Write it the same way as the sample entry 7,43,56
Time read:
3,57,49
